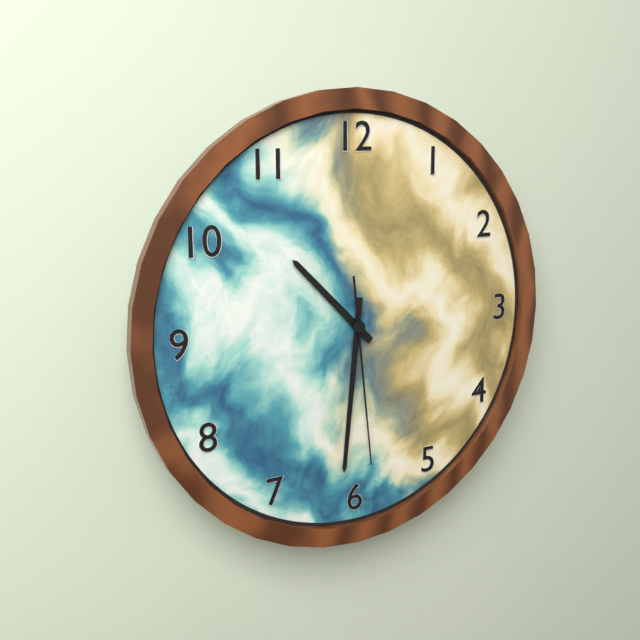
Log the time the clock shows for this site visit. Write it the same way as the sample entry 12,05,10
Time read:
10,31,29
